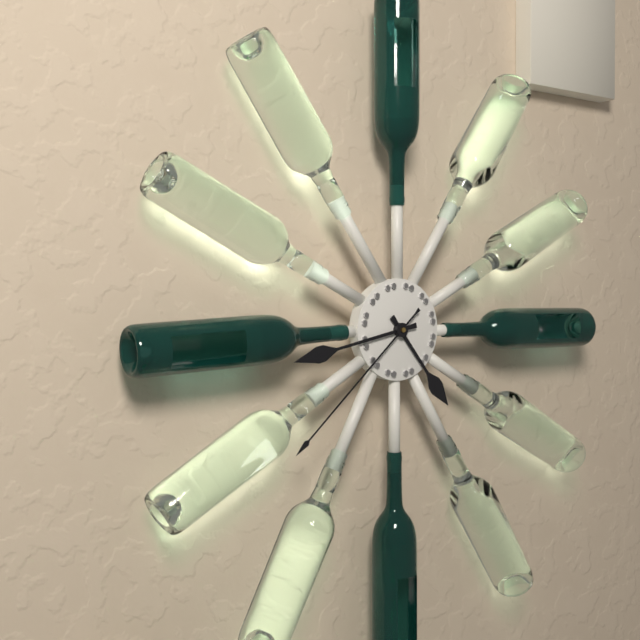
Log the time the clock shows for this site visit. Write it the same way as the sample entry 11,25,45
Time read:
4,43,38
